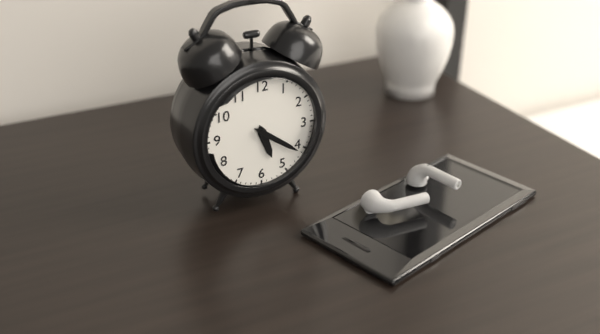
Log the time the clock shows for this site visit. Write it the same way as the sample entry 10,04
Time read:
5,21
